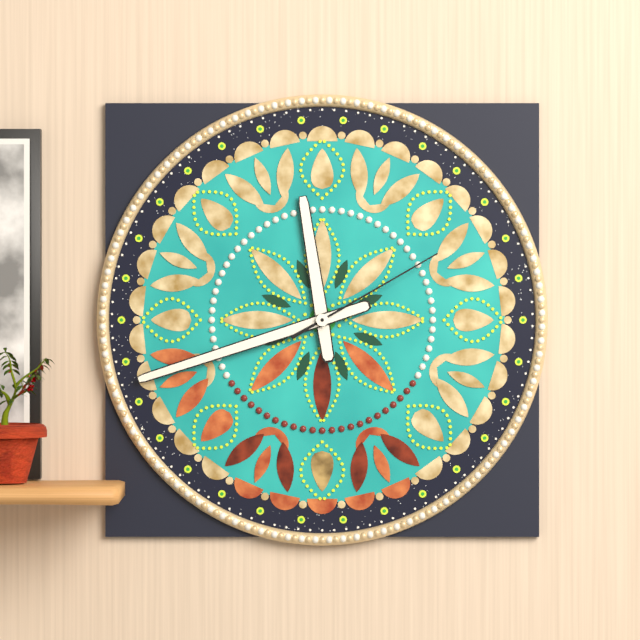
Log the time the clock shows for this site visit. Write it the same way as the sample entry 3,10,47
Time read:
11,42,10
